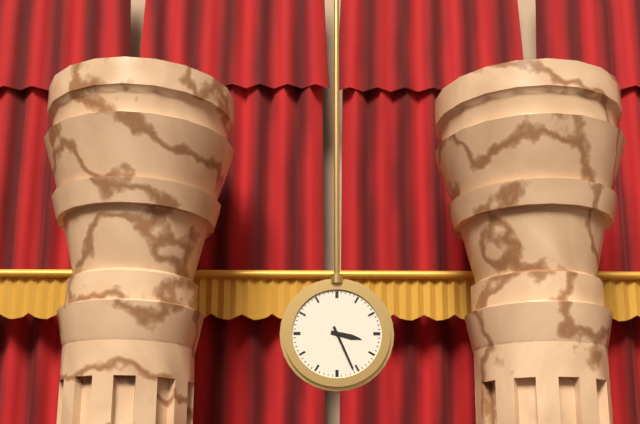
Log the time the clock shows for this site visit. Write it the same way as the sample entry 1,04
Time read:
3,26
